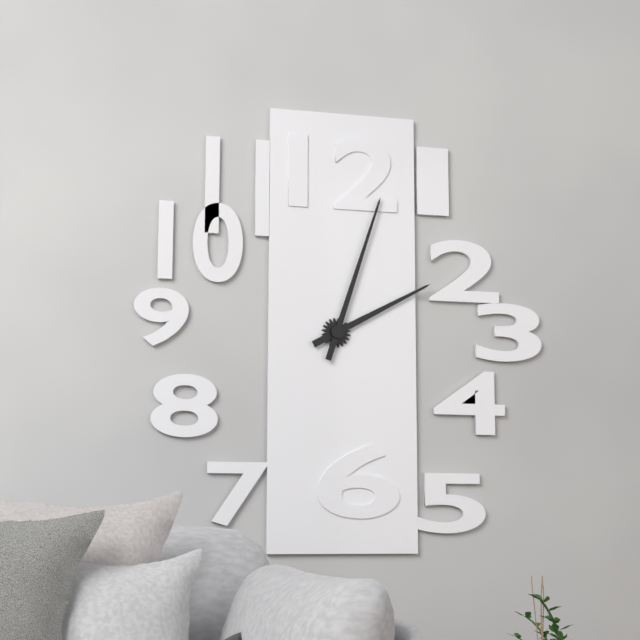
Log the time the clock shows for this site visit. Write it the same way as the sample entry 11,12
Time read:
2,03
